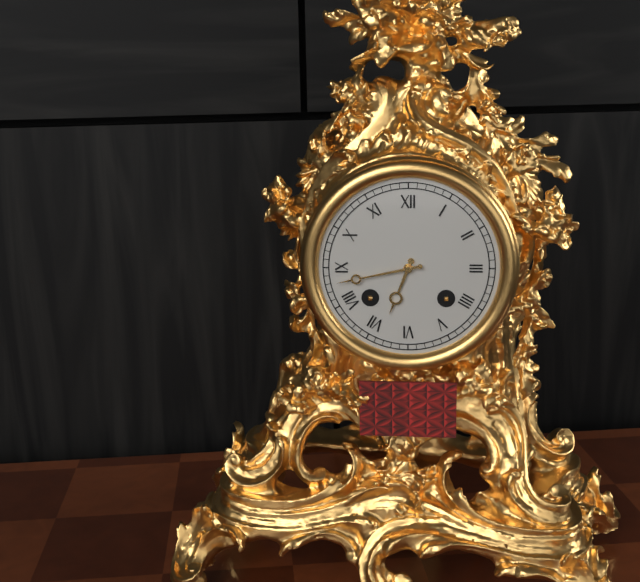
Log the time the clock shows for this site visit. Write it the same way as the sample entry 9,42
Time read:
6,43
